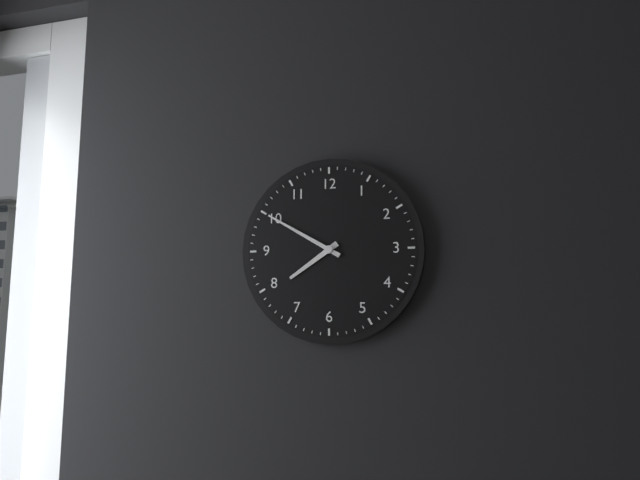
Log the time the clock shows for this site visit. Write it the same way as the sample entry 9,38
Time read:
7,50
